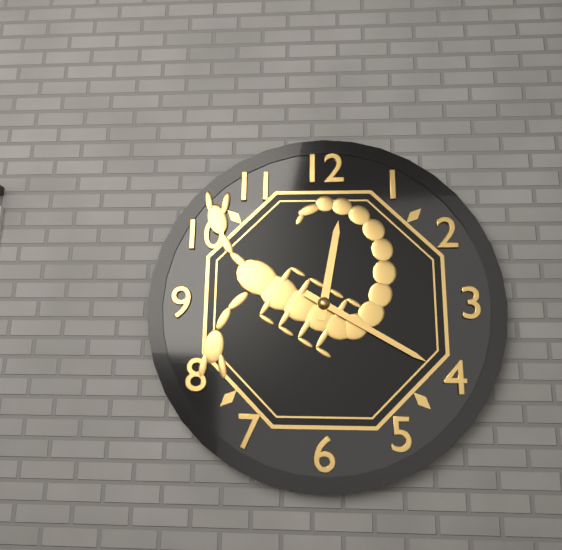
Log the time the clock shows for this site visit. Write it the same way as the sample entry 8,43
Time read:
12,20
